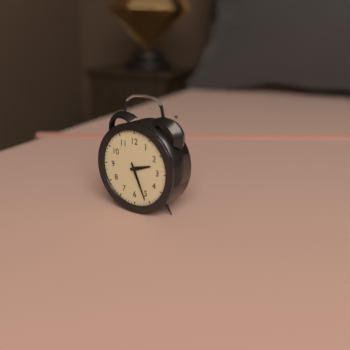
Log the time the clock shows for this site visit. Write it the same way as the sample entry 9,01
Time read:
2,26
